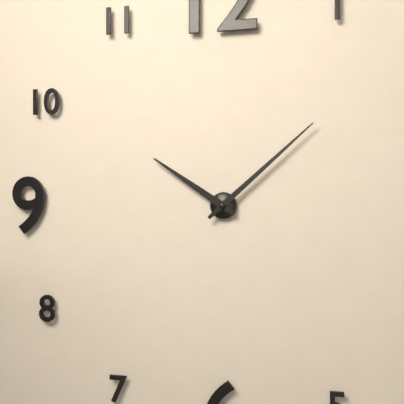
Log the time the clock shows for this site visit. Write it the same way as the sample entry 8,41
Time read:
10,08
